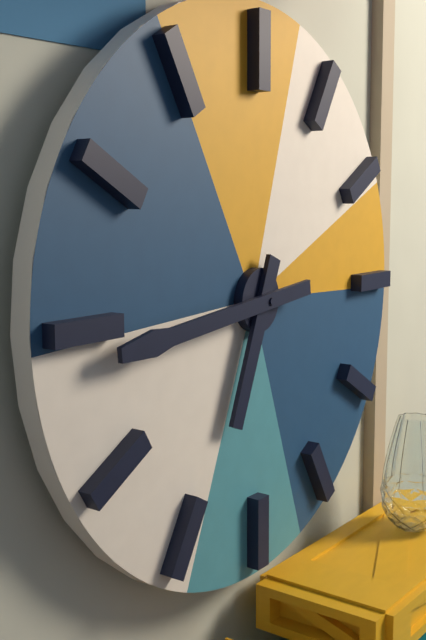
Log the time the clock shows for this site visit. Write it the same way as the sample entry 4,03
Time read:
6,44
